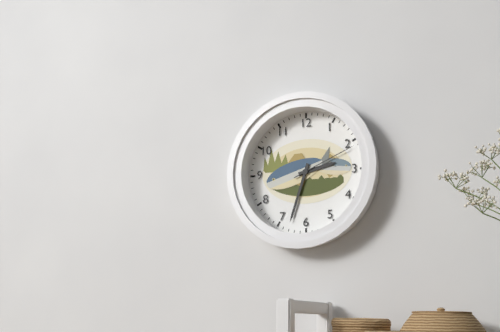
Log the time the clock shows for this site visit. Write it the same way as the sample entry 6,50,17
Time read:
2,33,11
